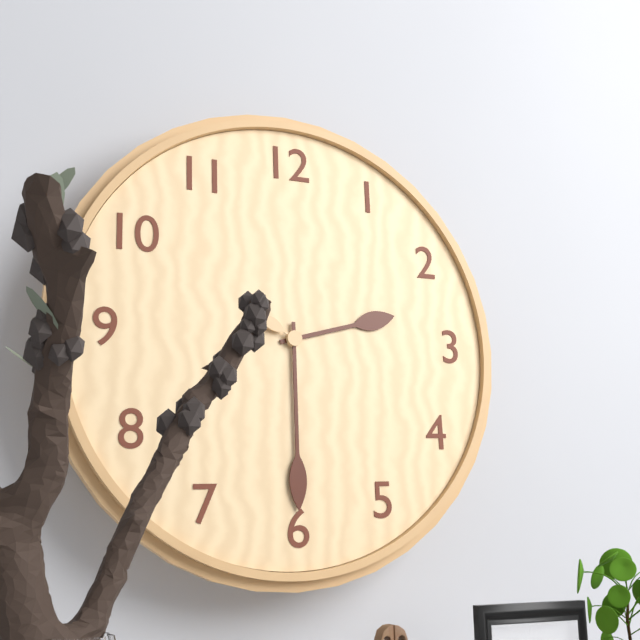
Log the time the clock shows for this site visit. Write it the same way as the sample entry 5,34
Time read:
2,30
